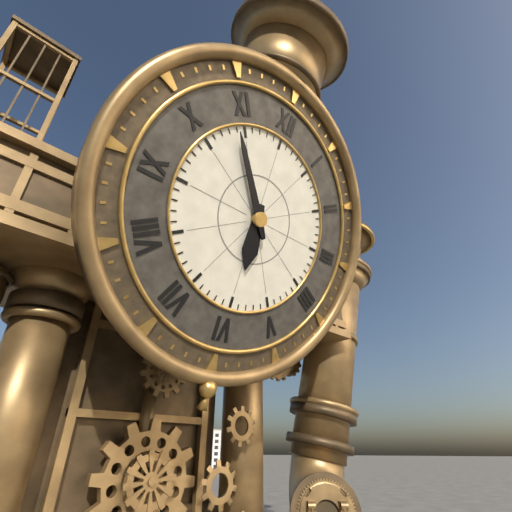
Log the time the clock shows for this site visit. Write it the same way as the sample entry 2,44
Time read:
5,54
